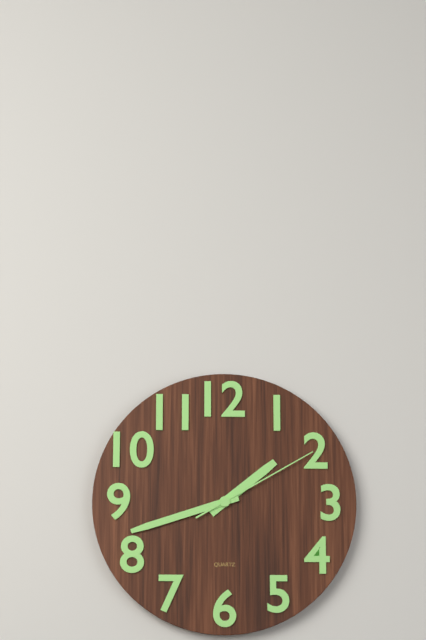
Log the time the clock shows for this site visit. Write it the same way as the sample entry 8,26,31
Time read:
1,42,10
